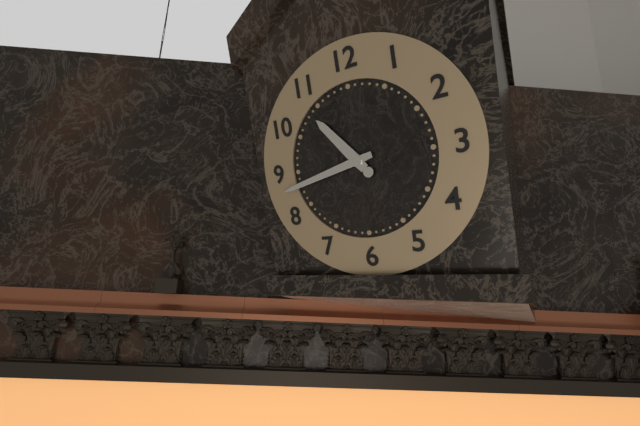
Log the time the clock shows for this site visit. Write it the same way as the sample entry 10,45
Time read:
10,43
